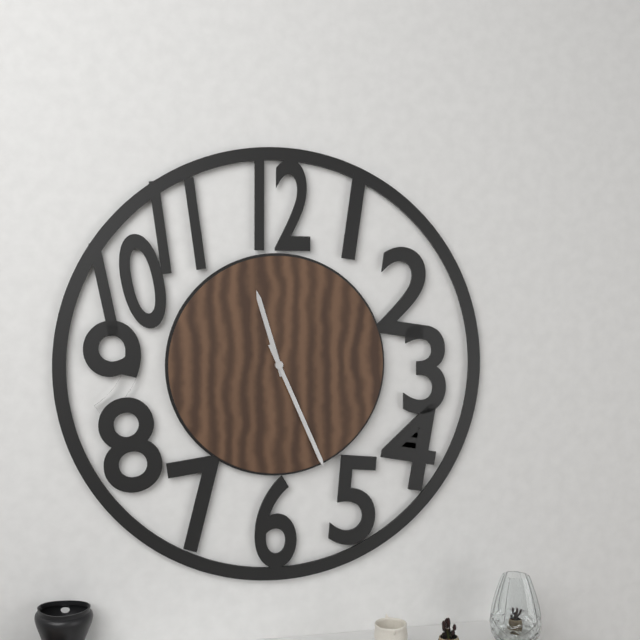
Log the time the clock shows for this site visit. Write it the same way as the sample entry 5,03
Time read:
11,26
